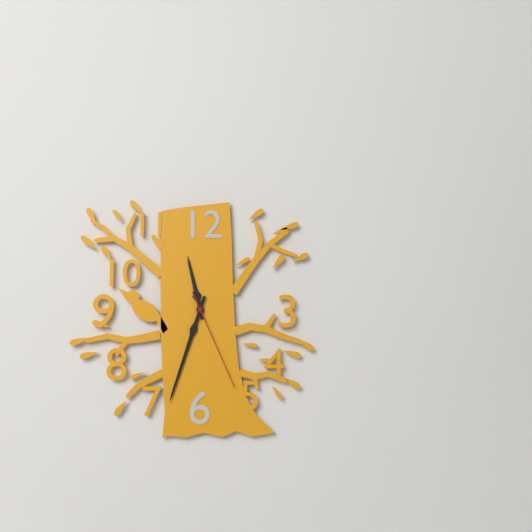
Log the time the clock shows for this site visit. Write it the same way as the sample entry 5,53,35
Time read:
11,33,26
